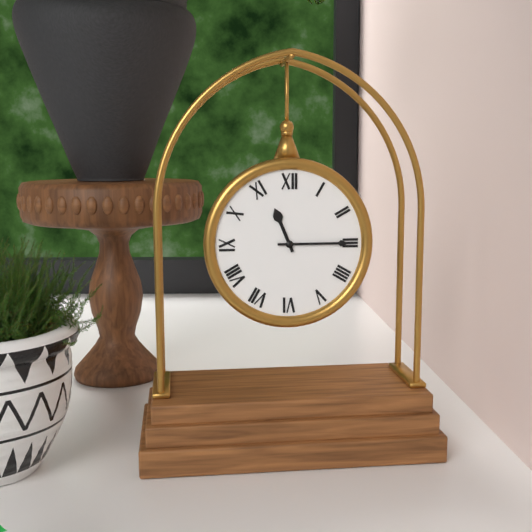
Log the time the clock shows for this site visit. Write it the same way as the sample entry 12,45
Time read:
11,15
